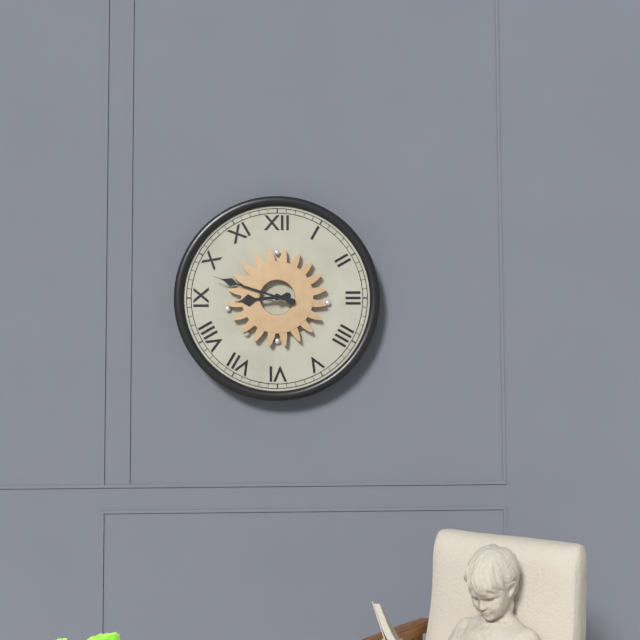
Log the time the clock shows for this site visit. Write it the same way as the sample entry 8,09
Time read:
8,48
